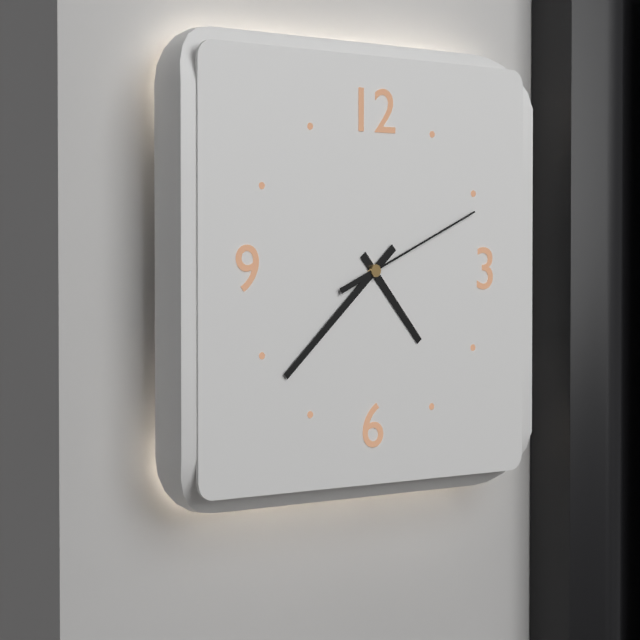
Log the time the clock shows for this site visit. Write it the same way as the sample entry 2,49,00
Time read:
4,38,11
